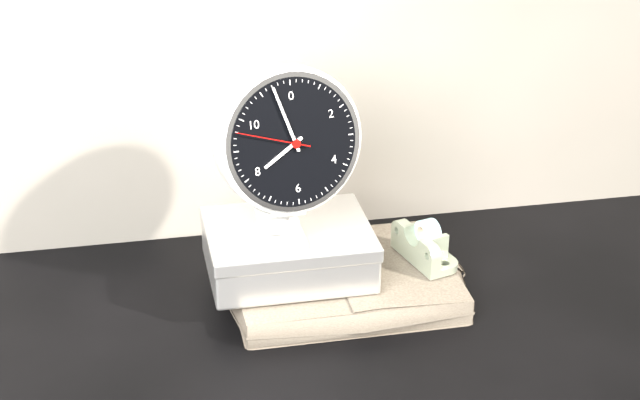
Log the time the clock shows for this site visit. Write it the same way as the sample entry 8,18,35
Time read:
7,57,48
